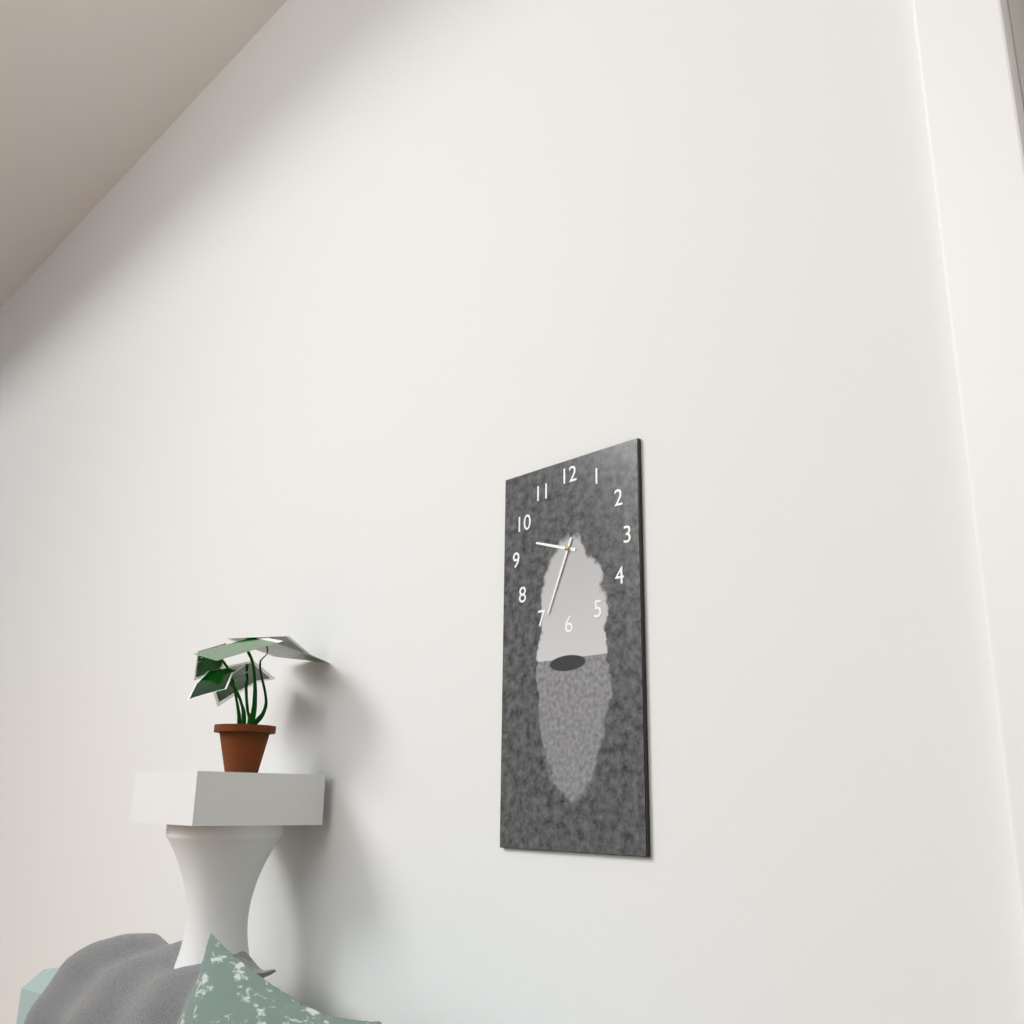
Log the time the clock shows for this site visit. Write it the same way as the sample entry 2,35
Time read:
9,34
